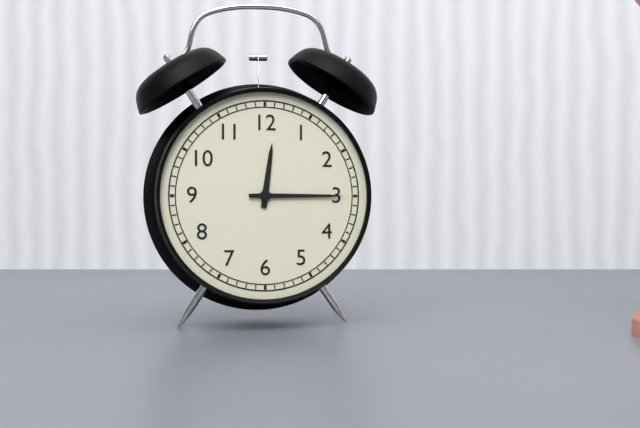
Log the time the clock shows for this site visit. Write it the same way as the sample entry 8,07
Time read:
12,15
